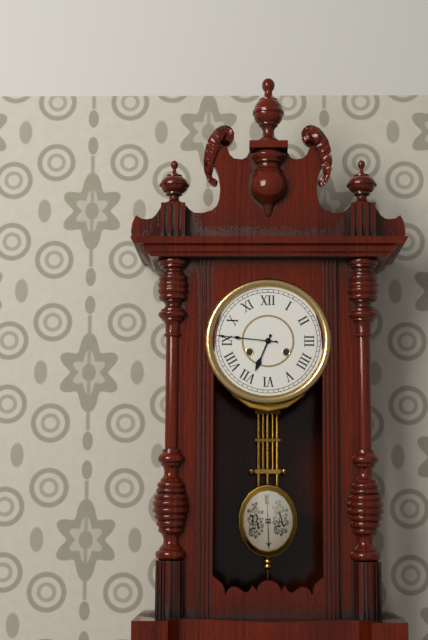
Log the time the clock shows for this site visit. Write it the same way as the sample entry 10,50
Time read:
6,46
